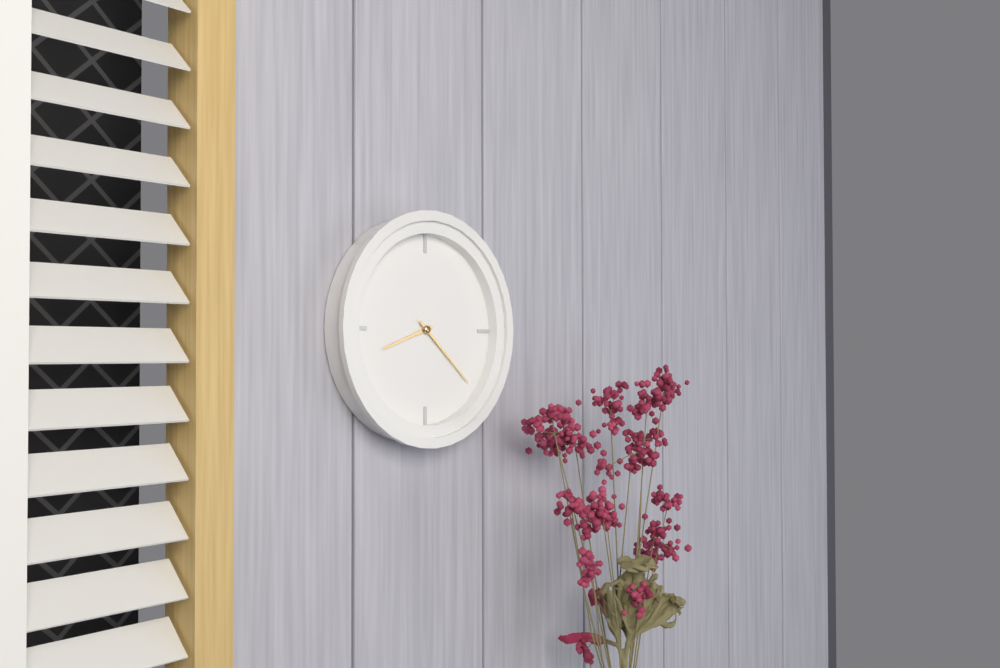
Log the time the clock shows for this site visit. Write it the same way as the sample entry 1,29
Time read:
8,22
